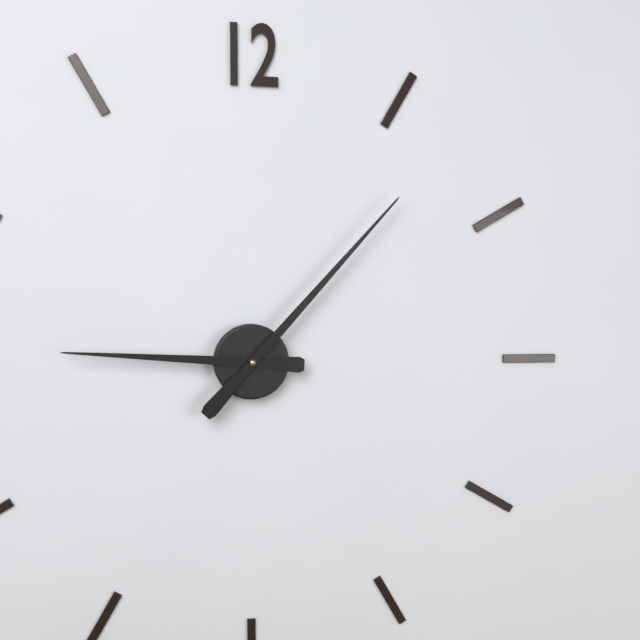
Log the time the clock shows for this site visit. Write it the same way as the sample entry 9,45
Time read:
9,07
